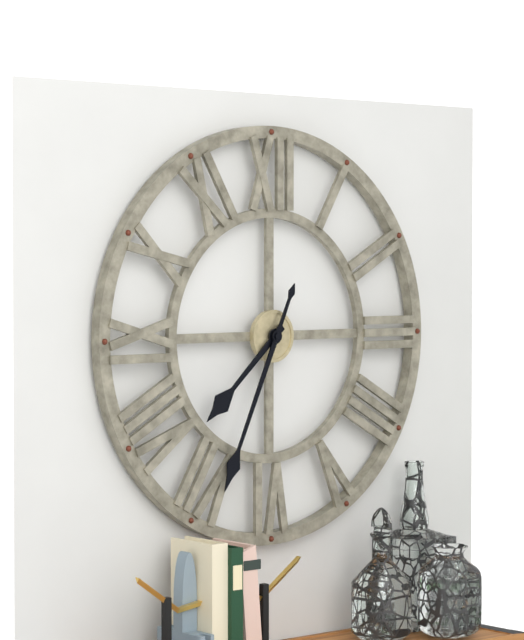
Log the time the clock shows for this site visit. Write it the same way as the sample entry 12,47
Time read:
7,34
